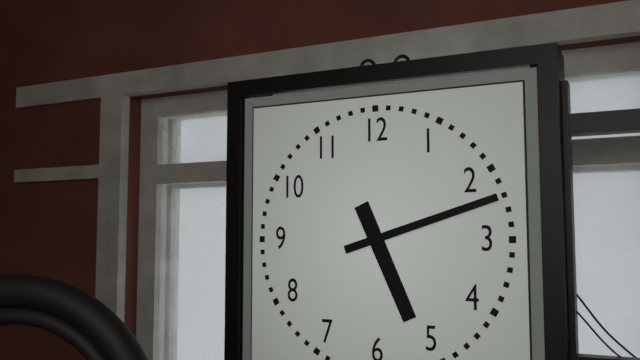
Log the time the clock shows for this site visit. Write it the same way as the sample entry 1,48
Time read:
5,12
